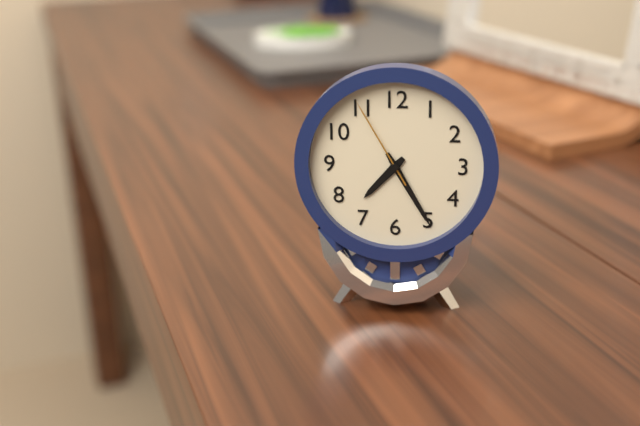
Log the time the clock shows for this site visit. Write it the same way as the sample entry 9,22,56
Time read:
7,25,55
